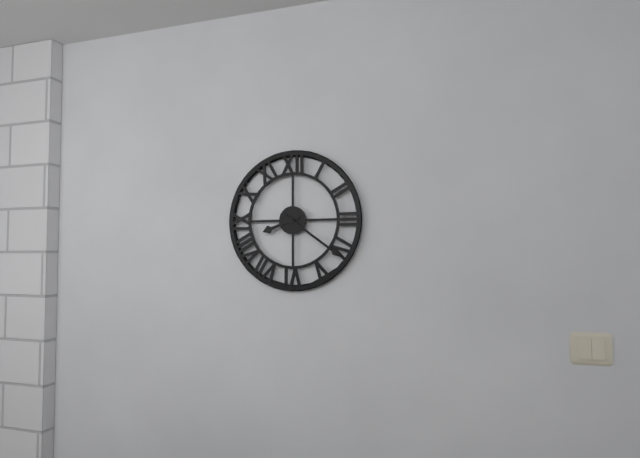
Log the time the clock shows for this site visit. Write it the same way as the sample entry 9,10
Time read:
8,21
